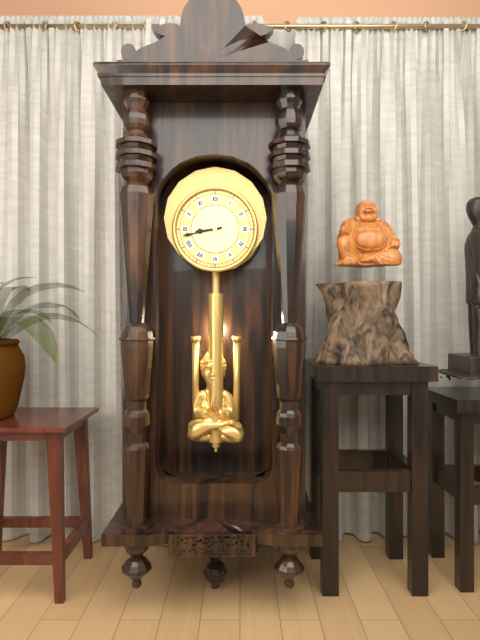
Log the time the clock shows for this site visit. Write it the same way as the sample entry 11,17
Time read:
8,43
